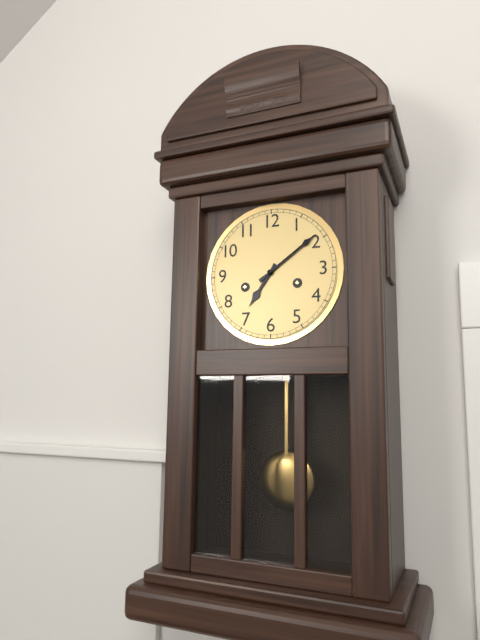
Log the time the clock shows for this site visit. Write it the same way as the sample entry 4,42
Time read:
7,09
